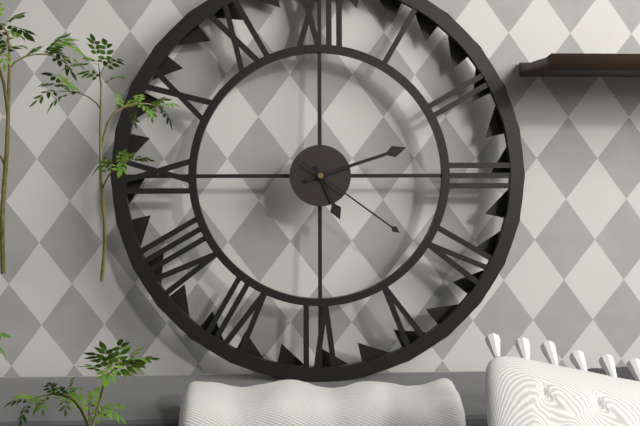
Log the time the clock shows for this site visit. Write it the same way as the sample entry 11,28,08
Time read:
5,12,21
